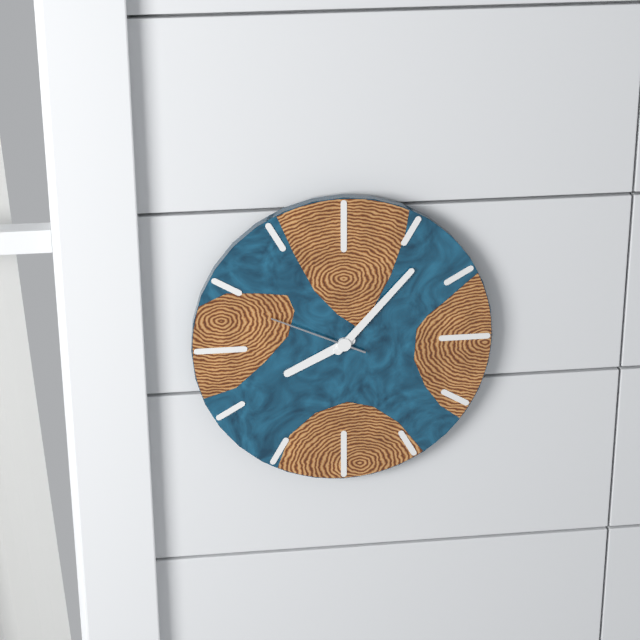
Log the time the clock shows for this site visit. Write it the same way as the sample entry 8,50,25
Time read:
8,07,49
